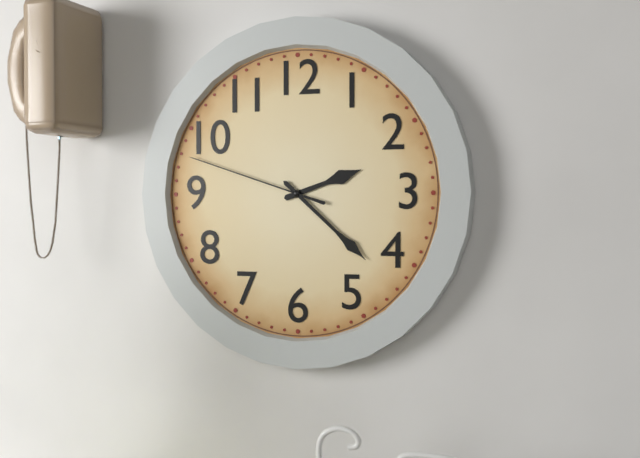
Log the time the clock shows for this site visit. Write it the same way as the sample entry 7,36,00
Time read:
2,22,48
